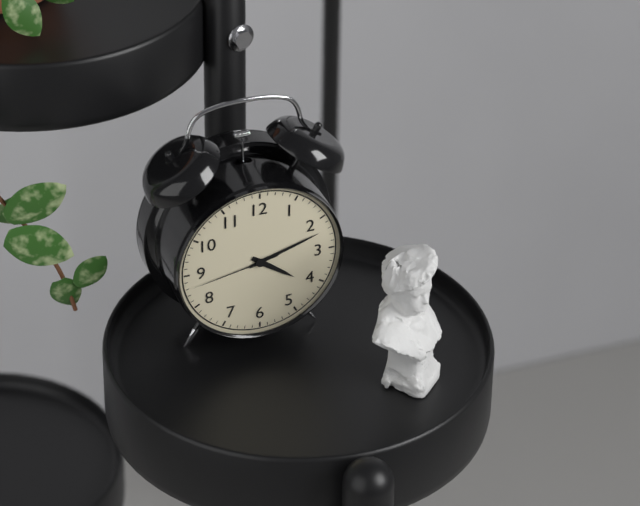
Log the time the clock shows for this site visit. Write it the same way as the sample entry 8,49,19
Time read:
4,12,43
